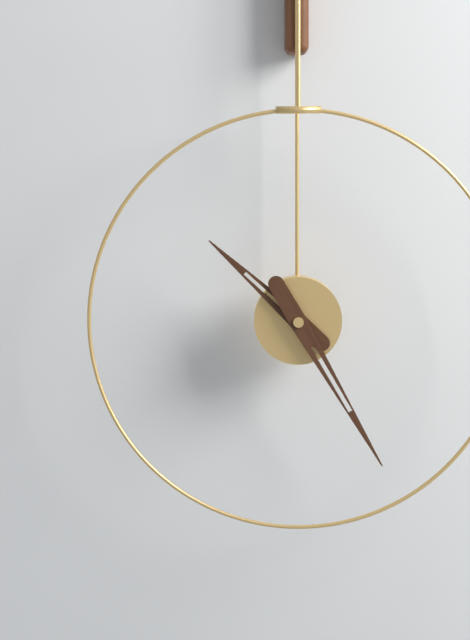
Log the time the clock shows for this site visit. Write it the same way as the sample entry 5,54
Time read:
10,25
